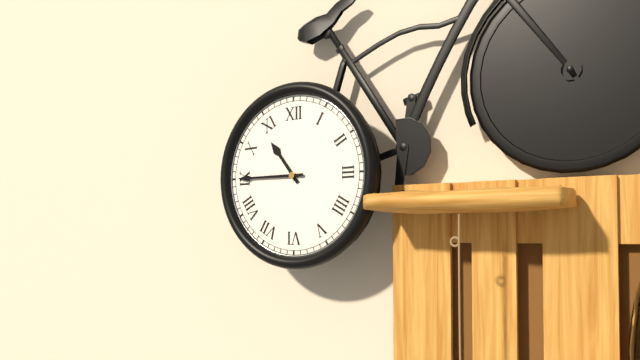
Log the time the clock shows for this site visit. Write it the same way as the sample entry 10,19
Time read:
10,45
